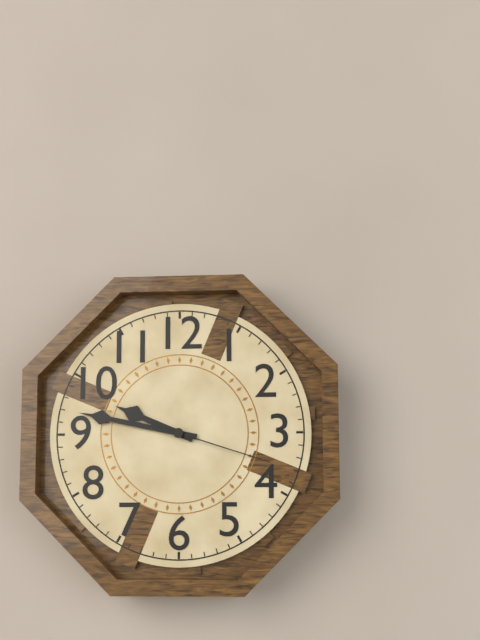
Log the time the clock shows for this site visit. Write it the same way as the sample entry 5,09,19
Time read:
9,47,18
